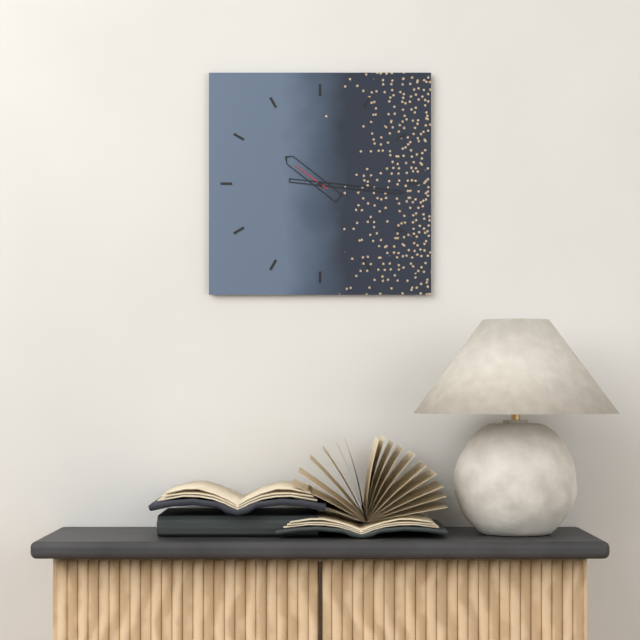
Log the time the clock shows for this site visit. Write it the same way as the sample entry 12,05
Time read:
10,16
